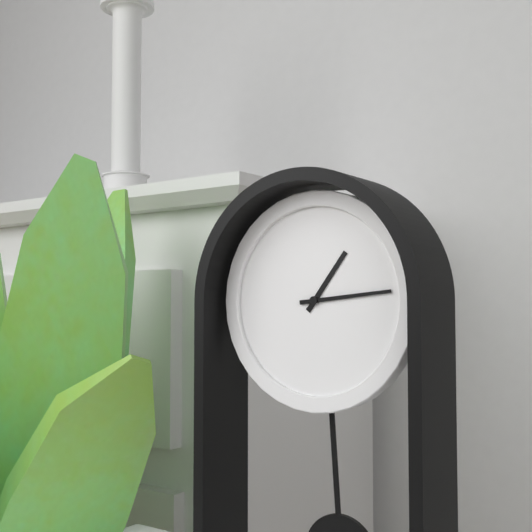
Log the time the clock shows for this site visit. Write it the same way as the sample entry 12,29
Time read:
1,14
